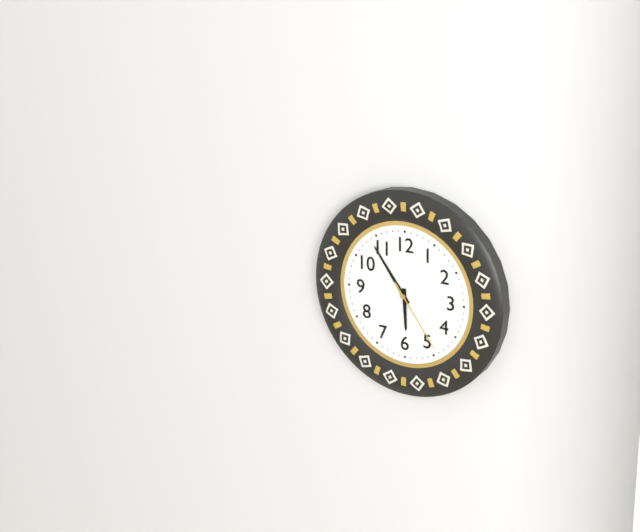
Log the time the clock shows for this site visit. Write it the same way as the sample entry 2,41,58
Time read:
5,54,24
